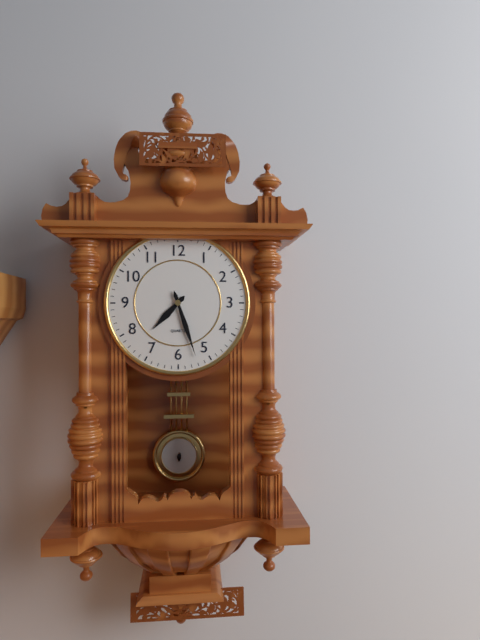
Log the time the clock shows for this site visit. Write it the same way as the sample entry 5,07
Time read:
7,27
